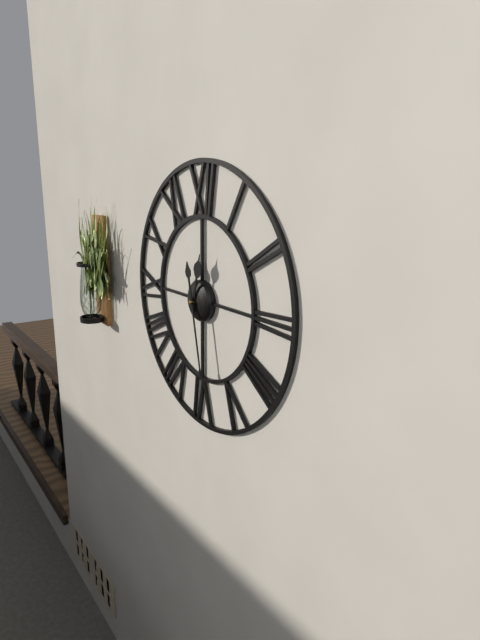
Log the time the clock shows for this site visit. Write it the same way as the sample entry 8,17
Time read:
12,28
